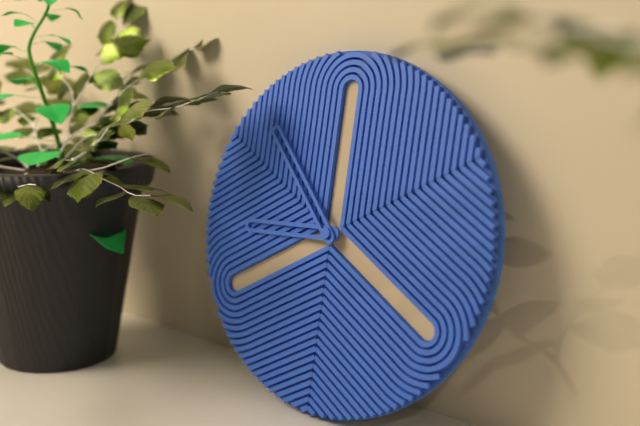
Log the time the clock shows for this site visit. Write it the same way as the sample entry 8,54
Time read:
8,53
